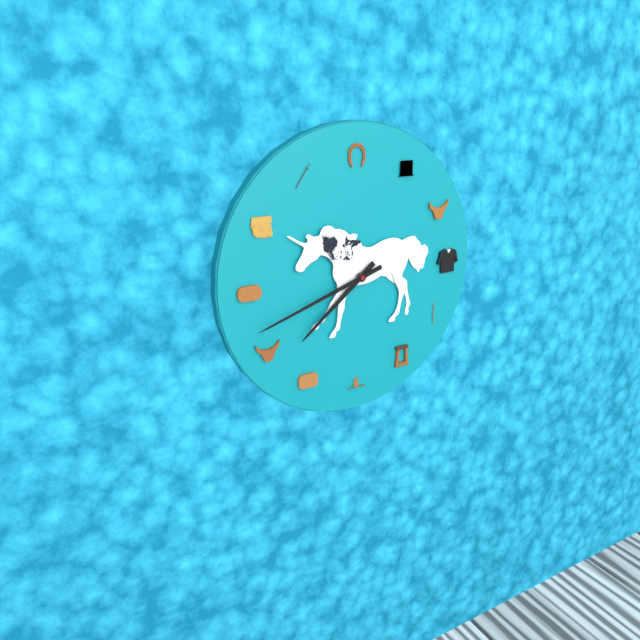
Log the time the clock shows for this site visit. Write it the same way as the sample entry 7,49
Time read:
7,42
